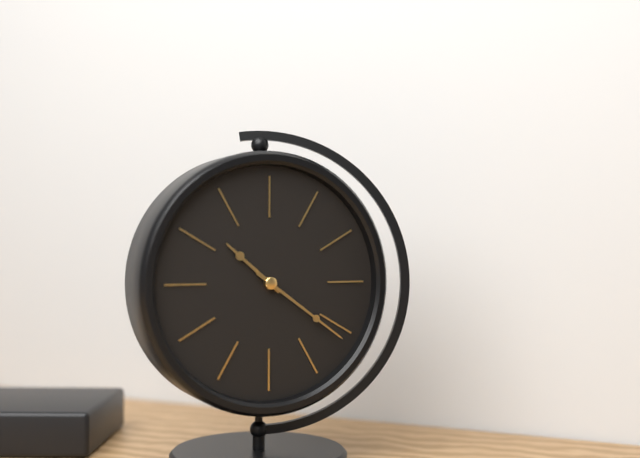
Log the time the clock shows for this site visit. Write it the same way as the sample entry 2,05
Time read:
10,21
